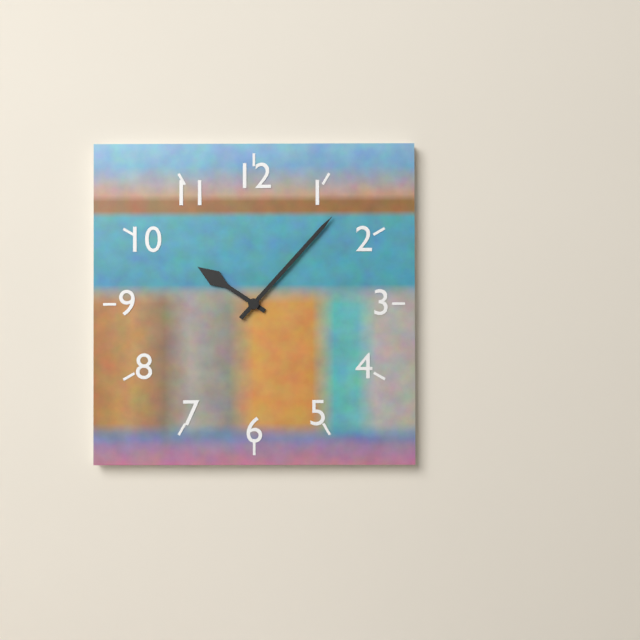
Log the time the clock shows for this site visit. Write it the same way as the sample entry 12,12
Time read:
10,07
